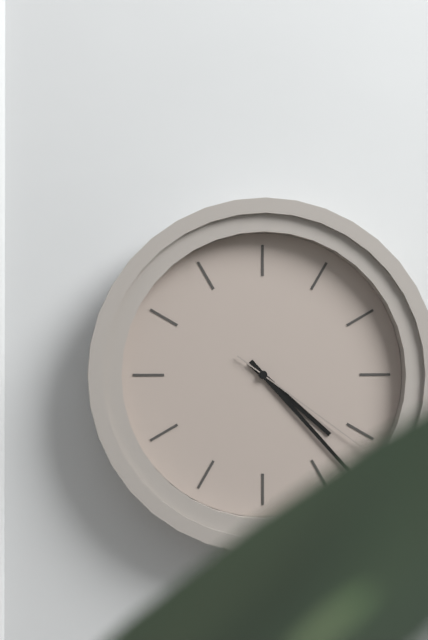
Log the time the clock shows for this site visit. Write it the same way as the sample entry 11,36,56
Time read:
4,23,21
